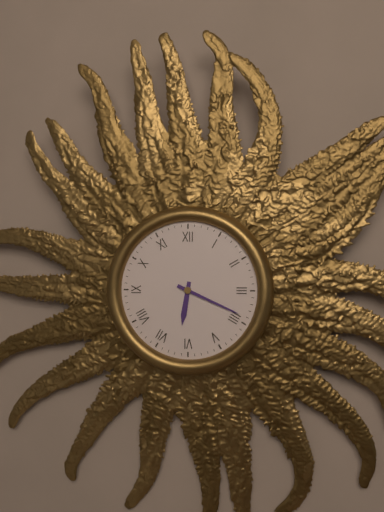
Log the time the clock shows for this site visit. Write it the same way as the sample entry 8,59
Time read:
6,19
